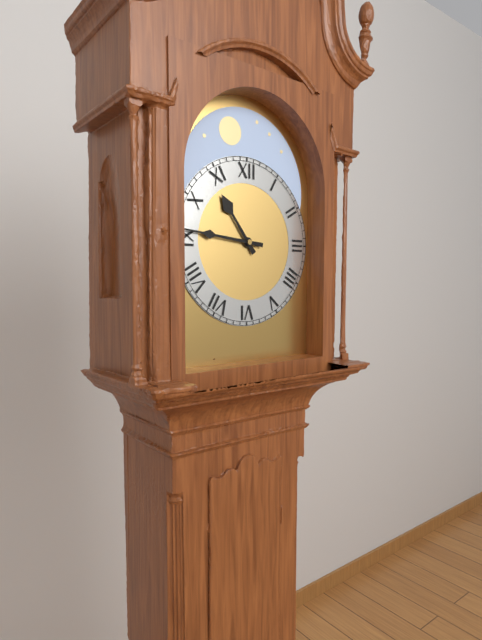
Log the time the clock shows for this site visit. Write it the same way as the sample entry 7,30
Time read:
10,46
